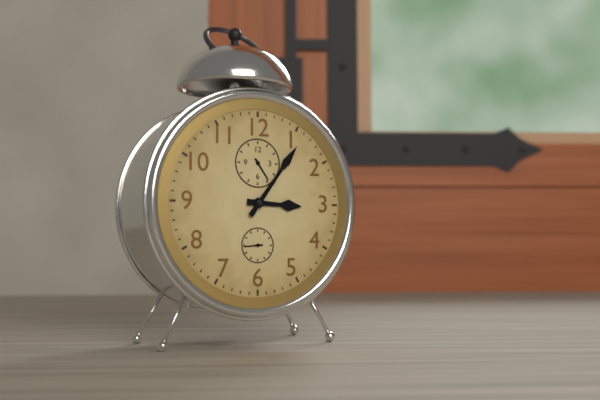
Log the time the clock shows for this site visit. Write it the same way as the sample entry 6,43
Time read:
3,06
